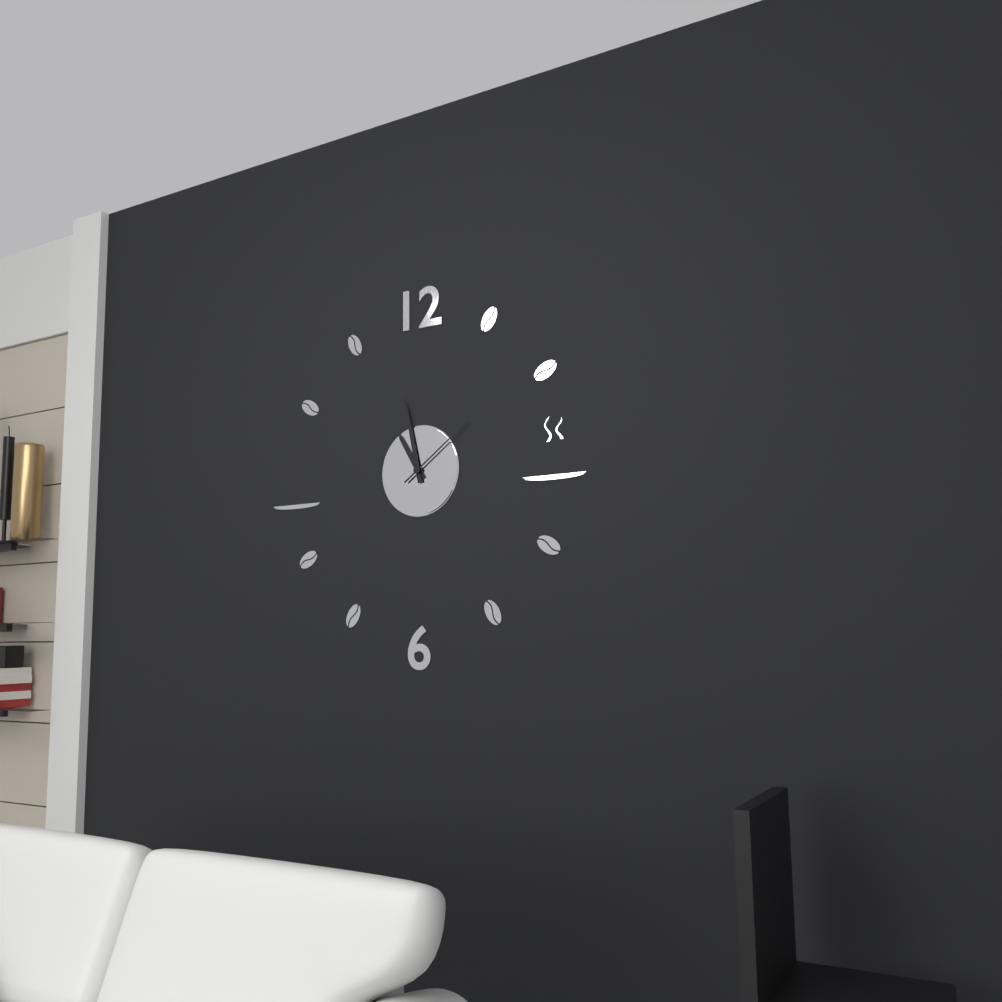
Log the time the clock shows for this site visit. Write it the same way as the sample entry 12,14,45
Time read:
10,58,09
